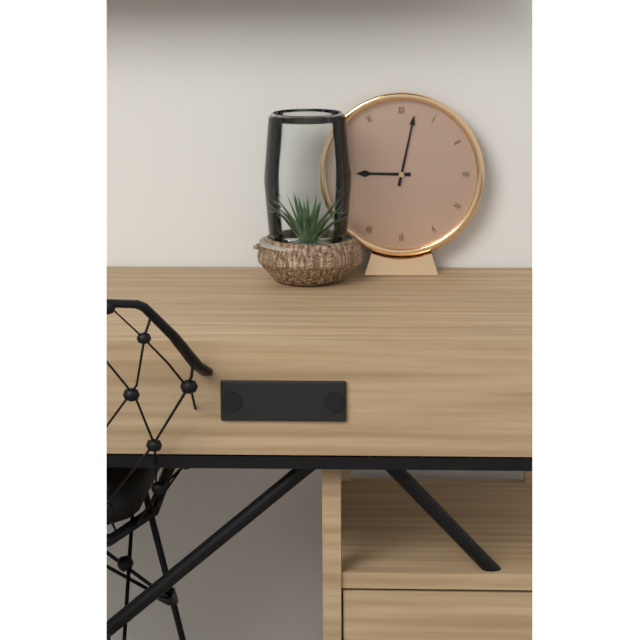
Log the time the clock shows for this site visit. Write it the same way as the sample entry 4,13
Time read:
9,02
